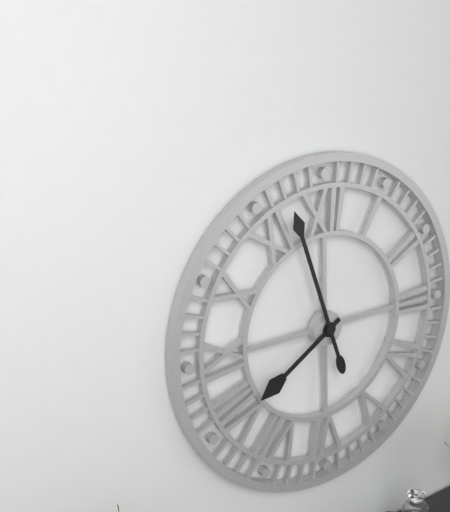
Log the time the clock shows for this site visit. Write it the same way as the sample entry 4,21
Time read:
7,57
